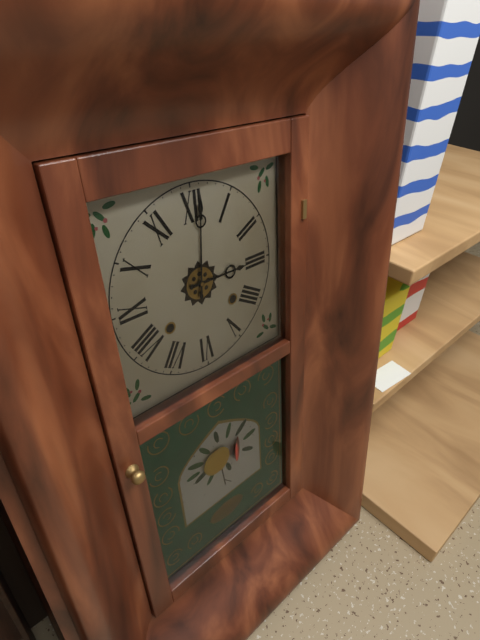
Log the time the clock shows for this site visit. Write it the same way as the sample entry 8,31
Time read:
3,01
